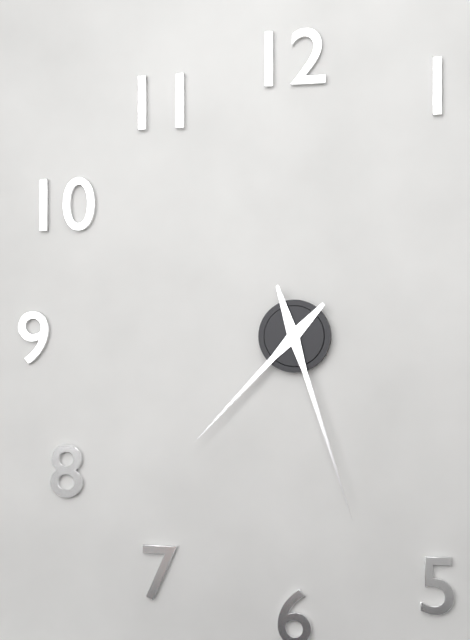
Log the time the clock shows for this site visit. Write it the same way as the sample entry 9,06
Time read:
7,27
